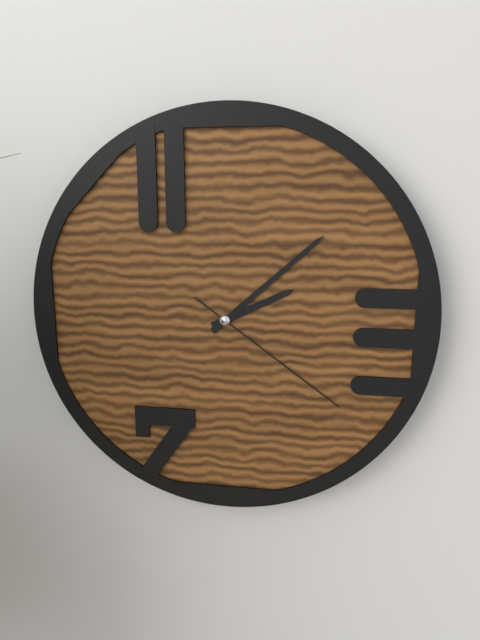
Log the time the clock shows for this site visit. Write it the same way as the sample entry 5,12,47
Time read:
2,08,21
